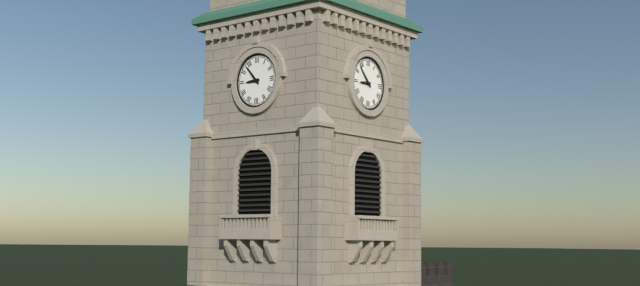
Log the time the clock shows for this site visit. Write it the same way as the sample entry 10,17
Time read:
8,53
